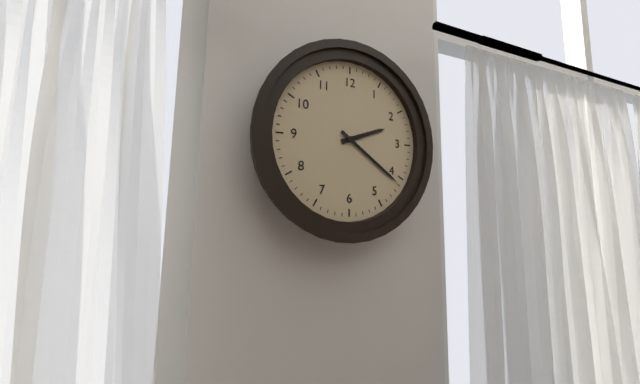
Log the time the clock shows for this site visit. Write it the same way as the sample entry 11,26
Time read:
2,21
